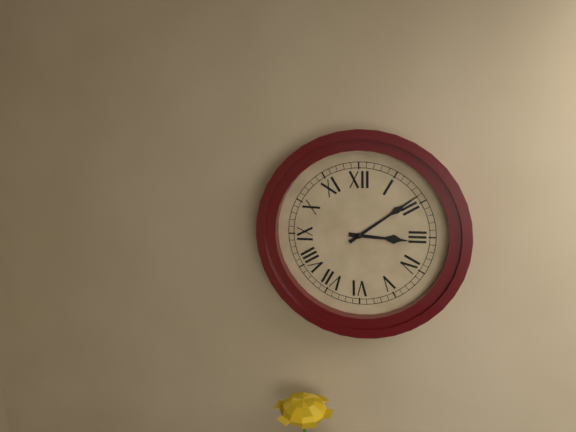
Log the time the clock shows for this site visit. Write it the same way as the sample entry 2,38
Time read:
3,09
